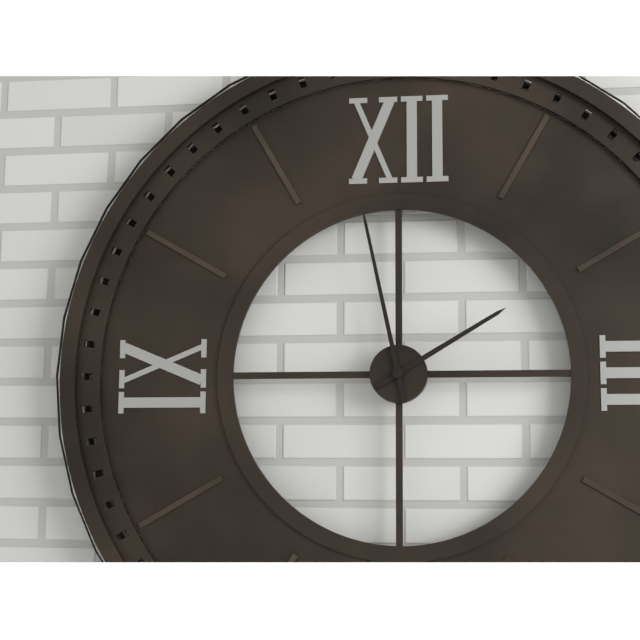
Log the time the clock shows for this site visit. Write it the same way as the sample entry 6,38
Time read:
1,58
